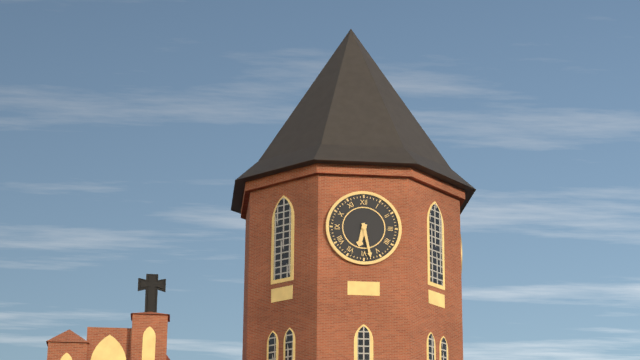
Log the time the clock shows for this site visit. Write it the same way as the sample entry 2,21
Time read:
6,28
